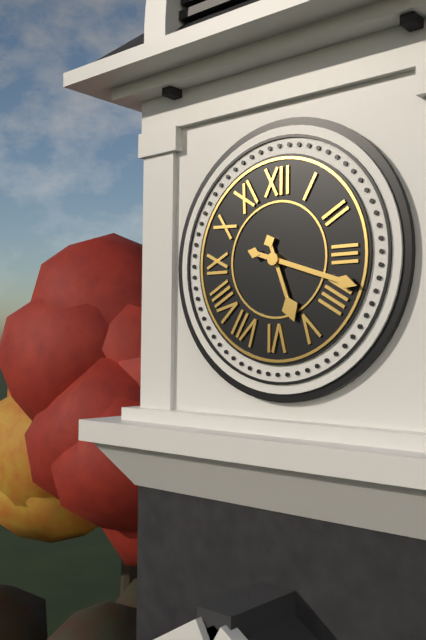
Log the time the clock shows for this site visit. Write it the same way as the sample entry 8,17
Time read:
5,18
